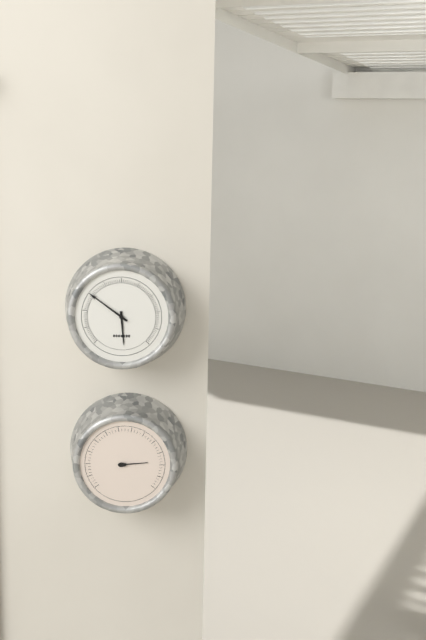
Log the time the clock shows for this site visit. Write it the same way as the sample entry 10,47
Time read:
5,51
